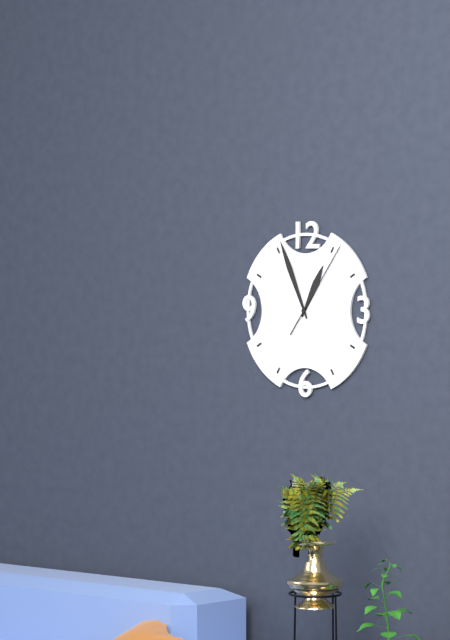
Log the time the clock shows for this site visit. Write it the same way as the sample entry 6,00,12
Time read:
12,56,06
